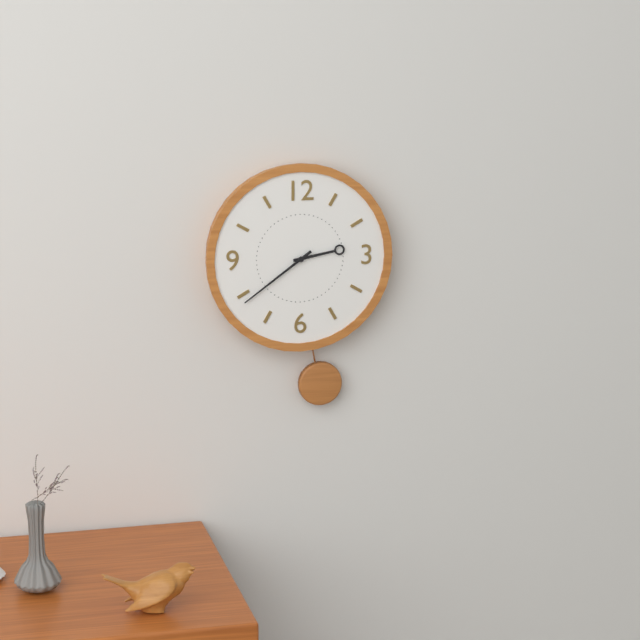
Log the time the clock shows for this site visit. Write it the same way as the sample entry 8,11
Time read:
2,39
